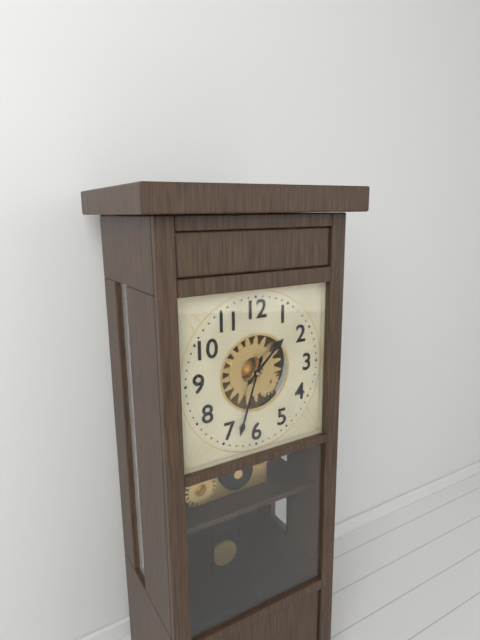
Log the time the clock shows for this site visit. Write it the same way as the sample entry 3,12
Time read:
1,33
